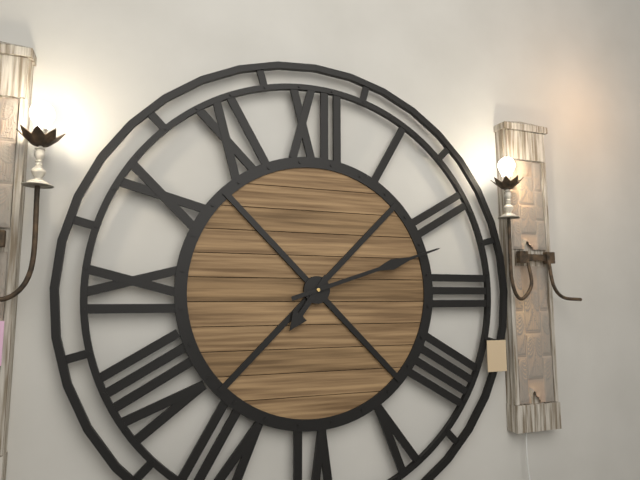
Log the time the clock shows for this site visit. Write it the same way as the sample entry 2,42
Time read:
7,12
